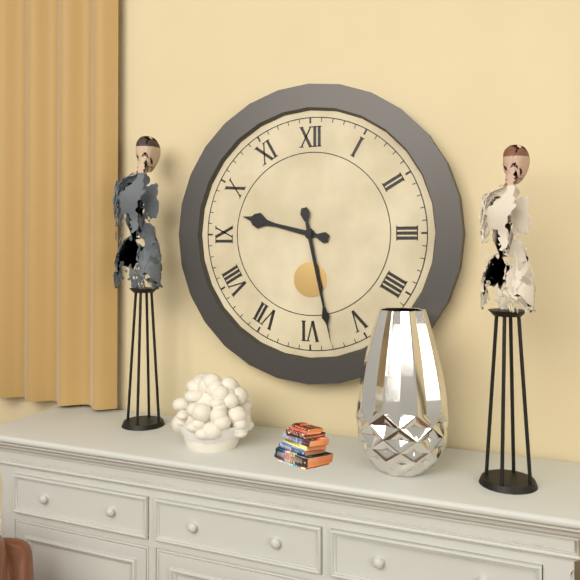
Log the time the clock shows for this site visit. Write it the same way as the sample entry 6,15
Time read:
9,28
